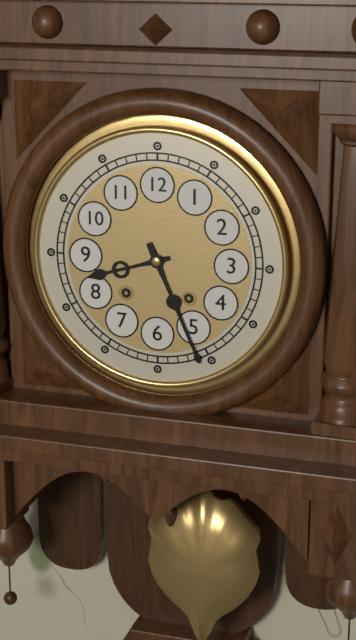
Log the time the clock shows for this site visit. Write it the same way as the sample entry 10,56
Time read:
8,26
